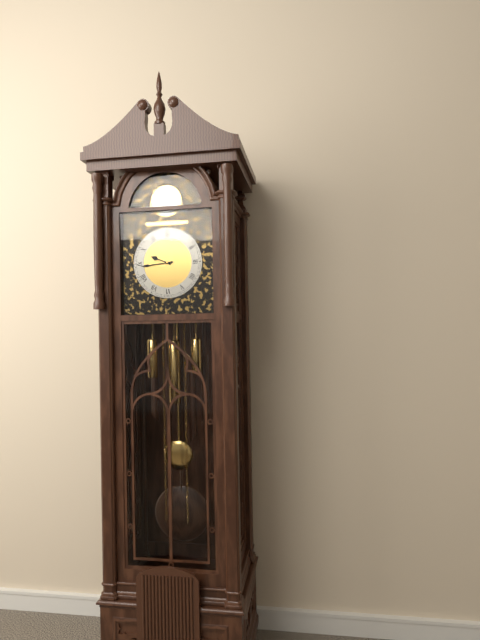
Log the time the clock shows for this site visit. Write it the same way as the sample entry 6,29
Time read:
9,44
